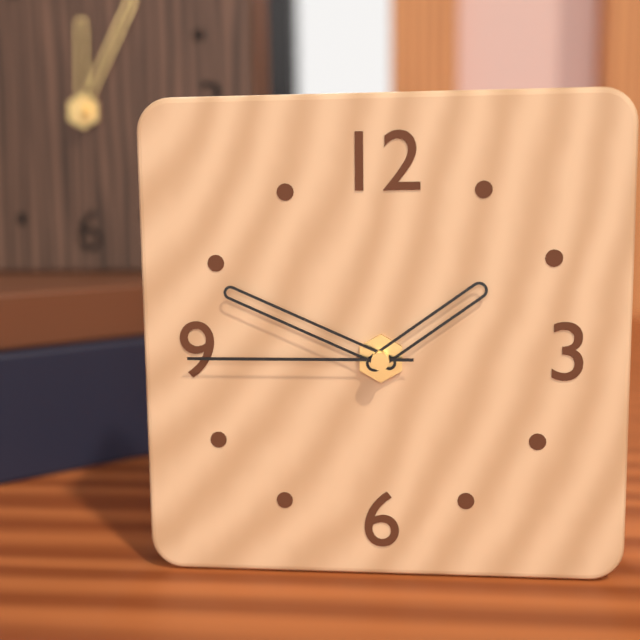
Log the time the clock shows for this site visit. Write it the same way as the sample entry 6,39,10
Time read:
1,49,45
